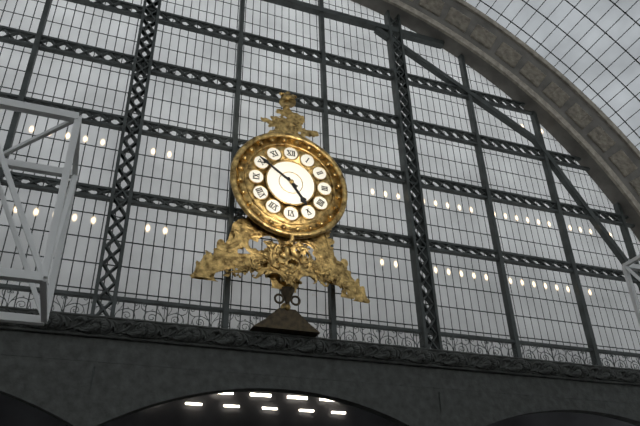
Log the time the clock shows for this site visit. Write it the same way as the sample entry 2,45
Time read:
4,51
